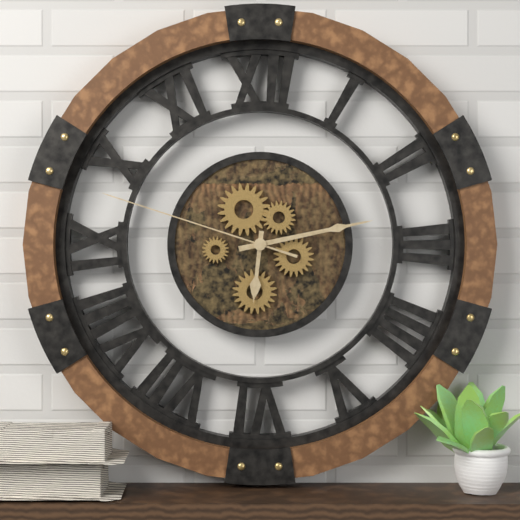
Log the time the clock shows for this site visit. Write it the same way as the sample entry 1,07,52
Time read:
6,13,48
